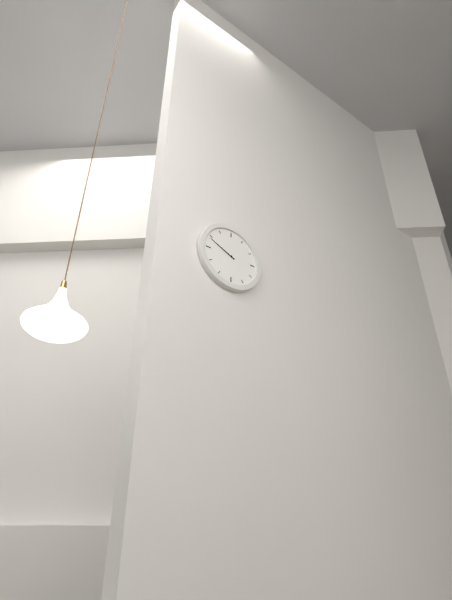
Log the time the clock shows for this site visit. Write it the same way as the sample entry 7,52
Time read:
9,49
